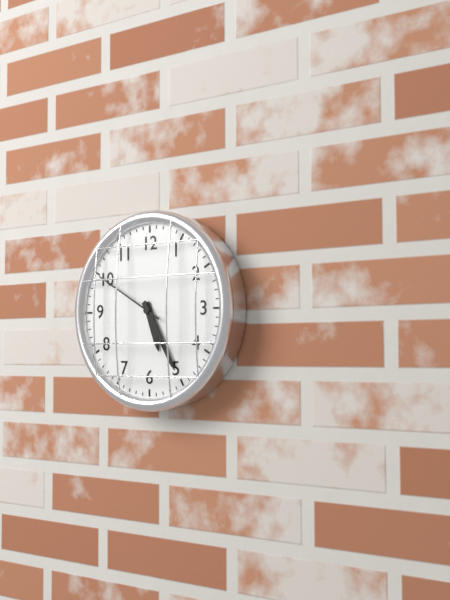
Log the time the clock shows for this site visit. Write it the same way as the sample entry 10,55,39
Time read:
5,25,50
